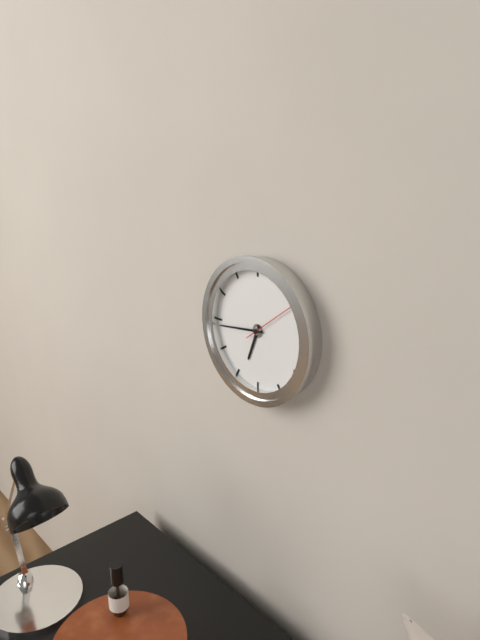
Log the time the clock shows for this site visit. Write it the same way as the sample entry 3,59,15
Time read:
6,44,09
